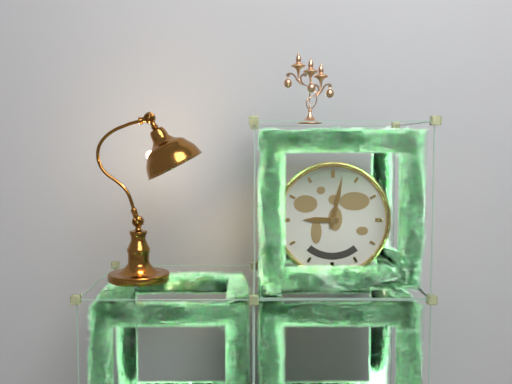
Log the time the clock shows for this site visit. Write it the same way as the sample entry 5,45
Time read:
9,02
